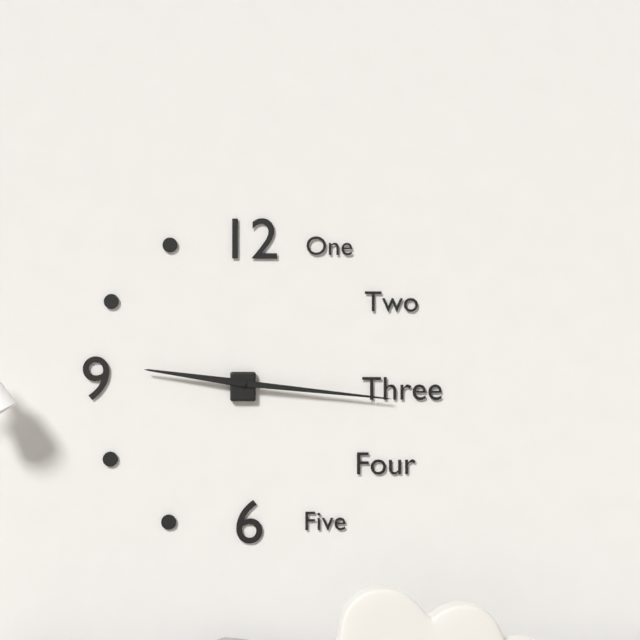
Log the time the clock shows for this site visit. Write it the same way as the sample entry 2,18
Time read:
9,16
